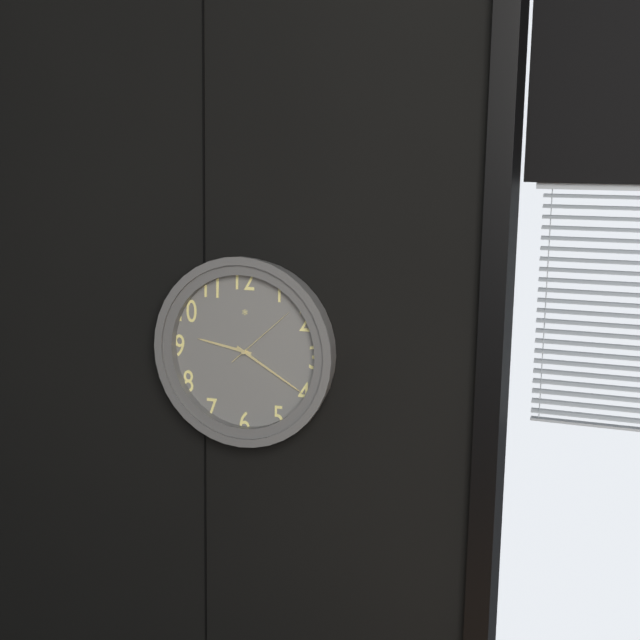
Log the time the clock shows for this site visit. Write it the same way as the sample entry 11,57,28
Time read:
9,20,08
